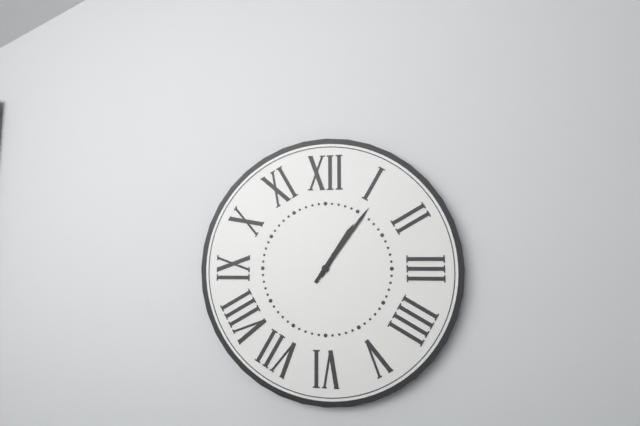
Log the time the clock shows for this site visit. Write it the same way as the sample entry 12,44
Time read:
1,06
